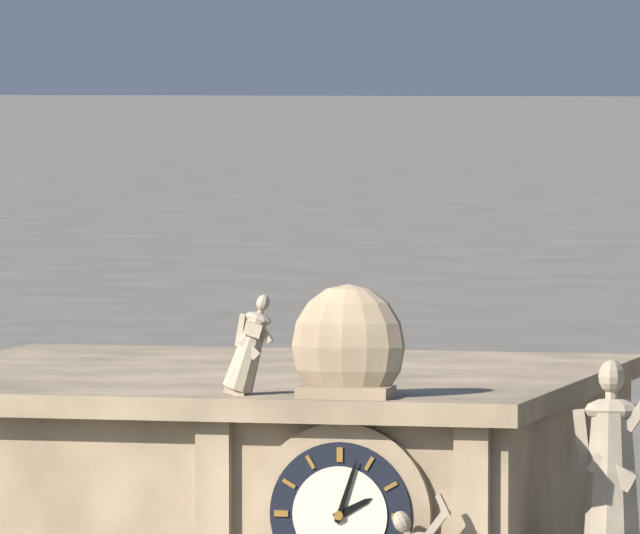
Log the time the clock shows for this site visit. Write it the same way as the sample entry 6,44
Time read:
2,03
